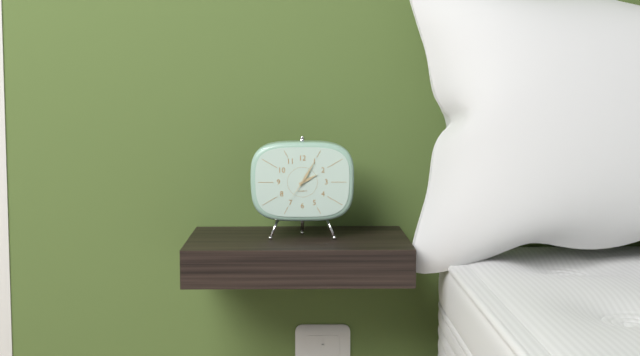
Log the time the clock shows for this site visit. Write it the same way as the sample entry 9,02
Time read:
2,05
